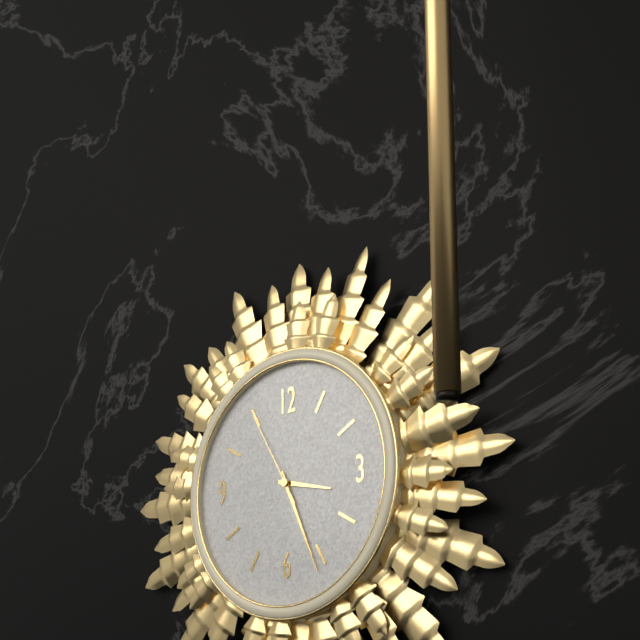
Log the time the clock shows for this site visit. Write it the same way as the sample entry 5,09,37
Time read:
3,26,55
